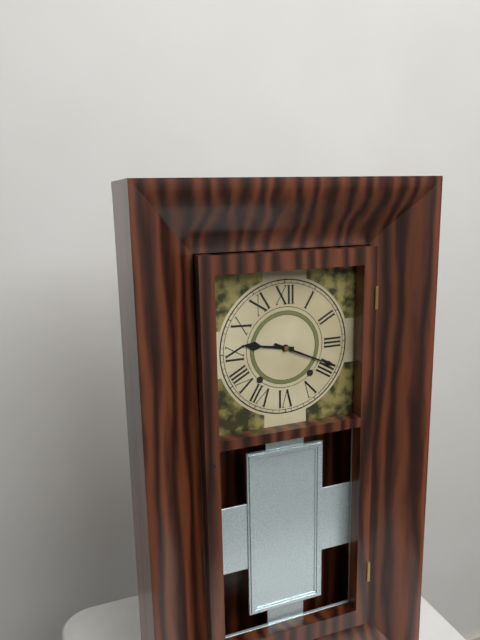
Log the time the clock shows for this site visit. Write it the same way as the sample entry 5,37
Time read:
9,19
